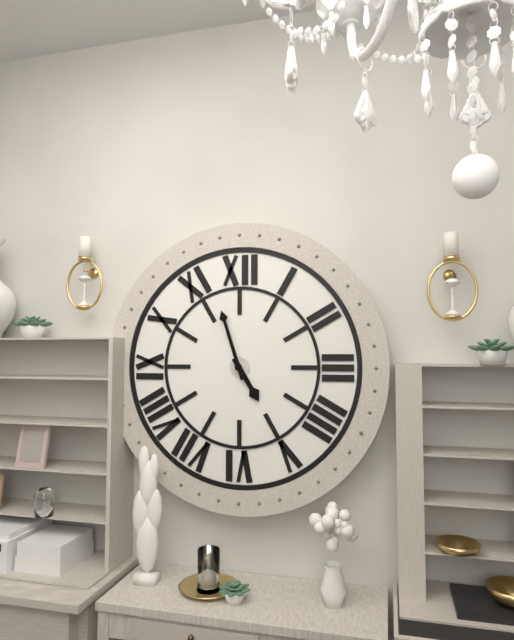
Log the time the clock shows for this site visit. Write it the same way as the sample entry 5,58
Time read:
4,57
